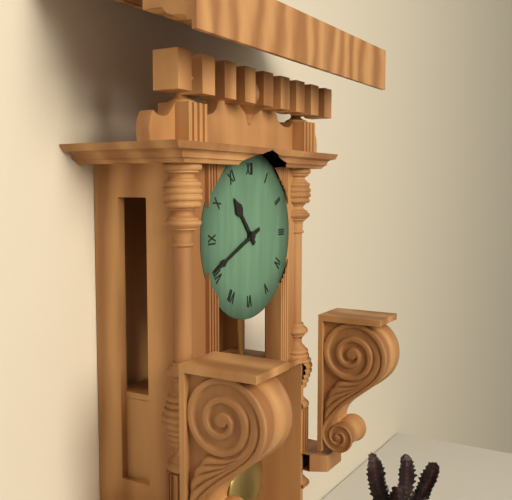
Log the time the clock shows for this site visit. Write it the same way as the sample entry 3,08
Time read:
10,41
